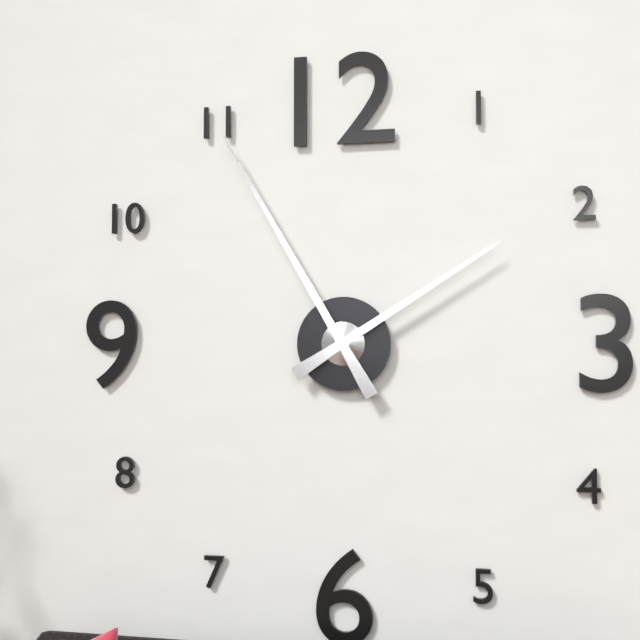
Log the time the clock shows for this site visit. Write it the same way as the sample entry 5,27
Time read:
1,55
